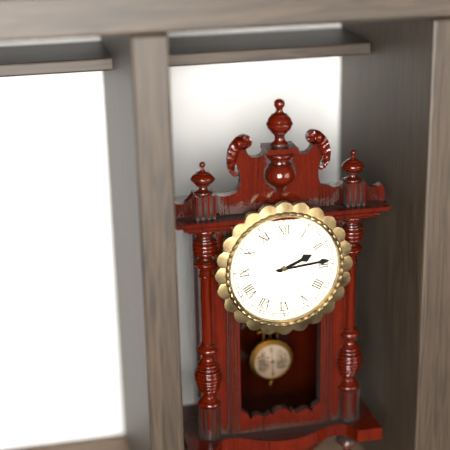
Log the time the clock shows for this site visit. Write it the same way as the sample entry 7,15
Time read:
2,14
